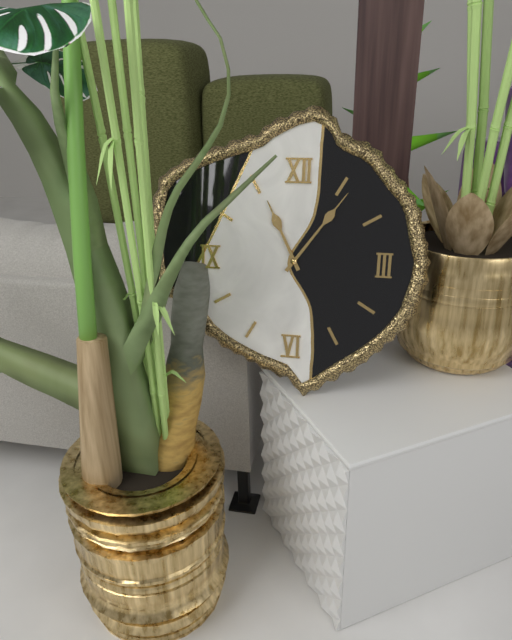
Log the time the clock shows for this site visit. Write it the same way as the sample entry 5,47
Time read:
11,06
